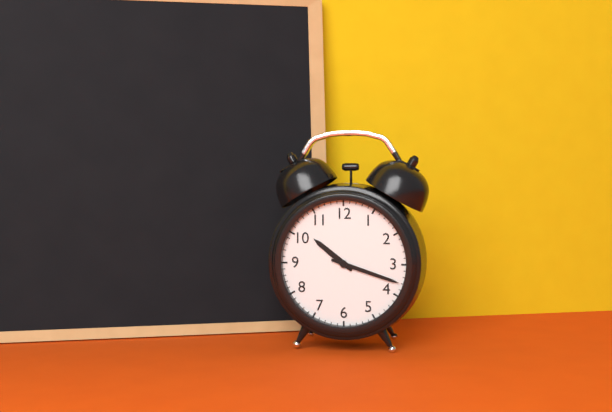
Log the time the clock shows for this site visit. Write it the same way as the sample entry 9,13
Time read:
10,18
